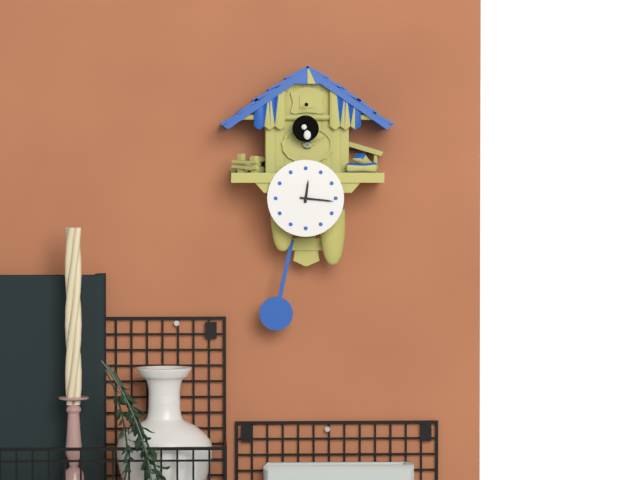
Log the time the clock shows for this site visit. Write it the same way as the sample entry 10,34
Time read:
12,16
